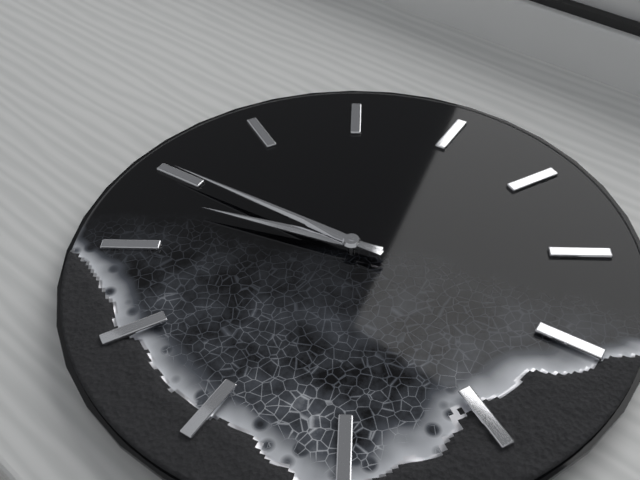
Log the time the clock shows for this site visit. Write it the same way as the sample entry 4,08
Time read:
6,35
